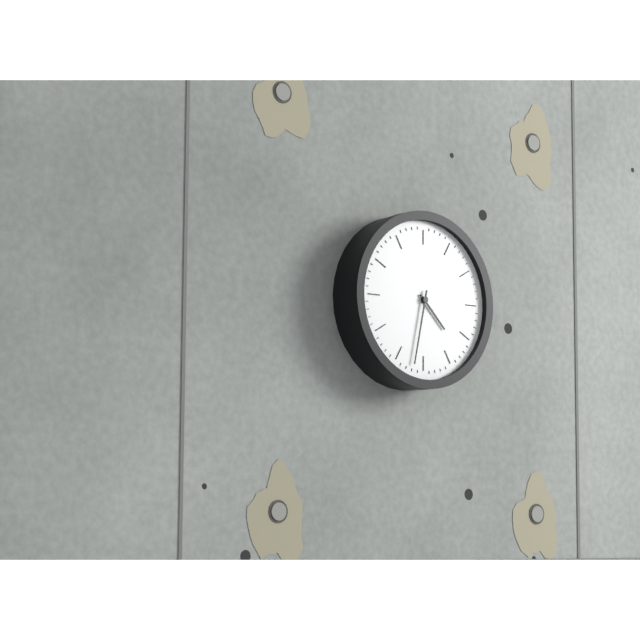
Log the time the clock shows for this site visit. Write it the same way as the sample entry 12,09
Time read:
4,32
